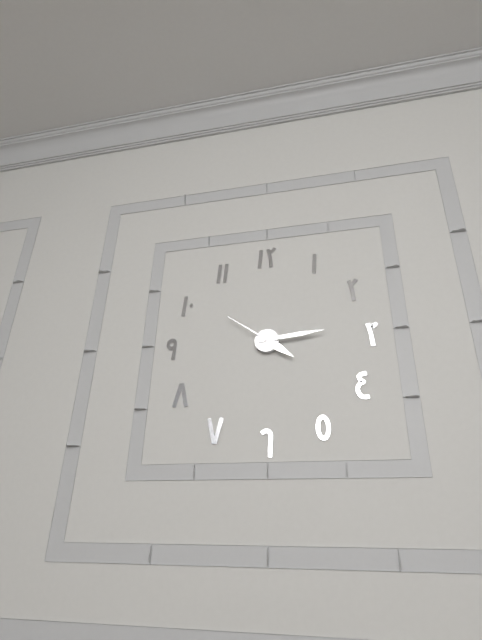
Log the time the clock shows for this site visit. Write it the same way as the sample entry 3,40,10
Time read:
4,14,51
